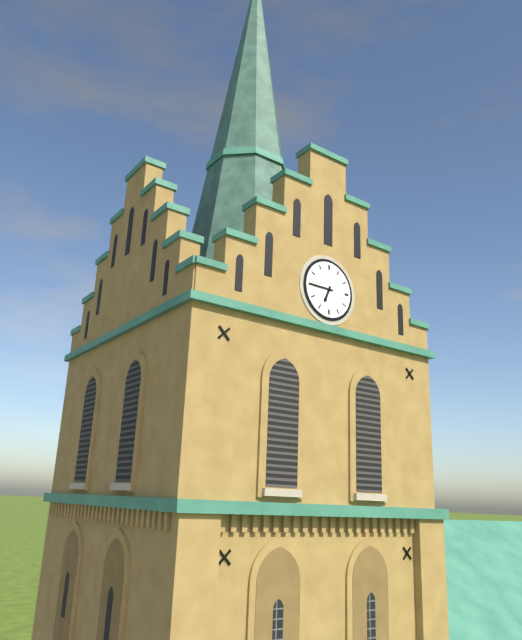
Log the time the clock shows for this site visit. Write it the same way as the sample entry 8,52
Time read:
6,45
